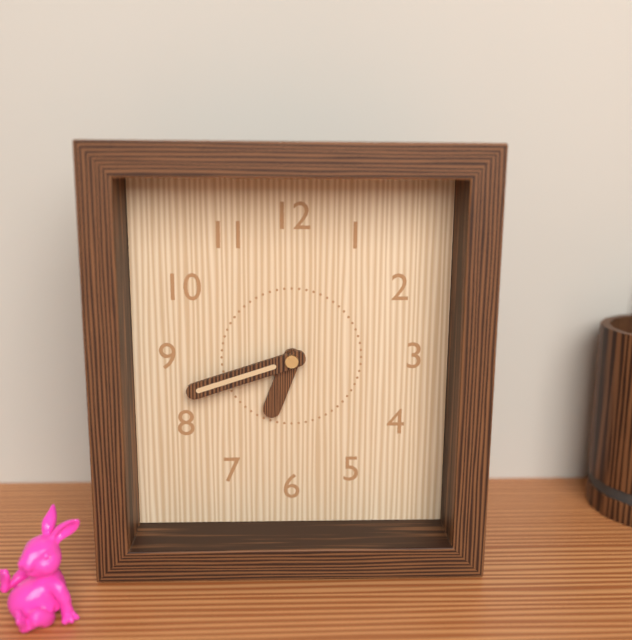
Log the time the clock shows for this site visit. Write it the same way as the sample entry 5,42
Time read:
6,42
